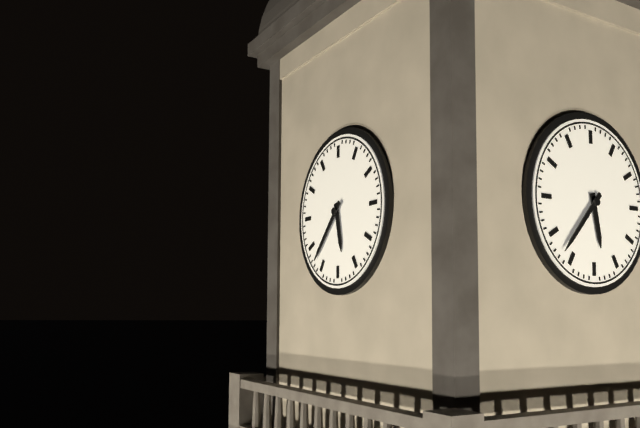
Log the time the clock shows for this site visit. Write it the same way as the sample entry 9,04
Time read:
5,37
